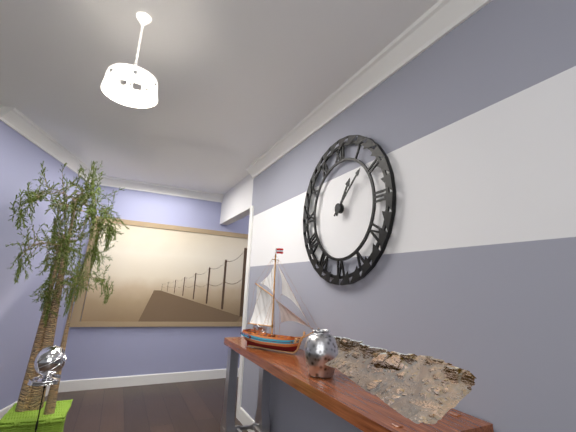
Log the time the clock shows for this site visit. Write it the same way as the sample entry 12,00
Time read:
1,08
